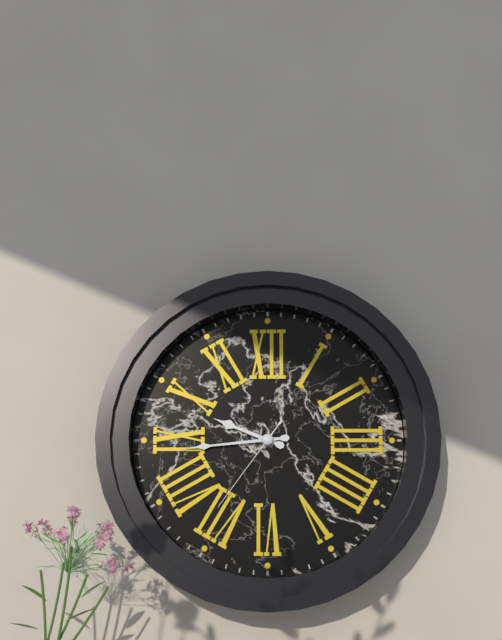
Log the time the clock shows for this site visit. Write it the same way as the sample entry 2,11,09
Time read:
9,44,36
